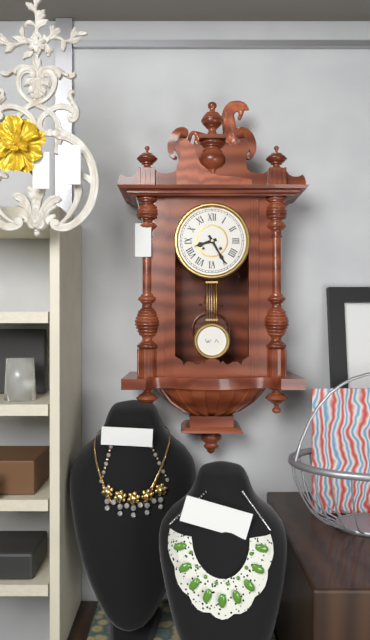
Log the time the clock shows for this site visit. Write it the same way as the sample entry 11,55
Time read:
8,25
